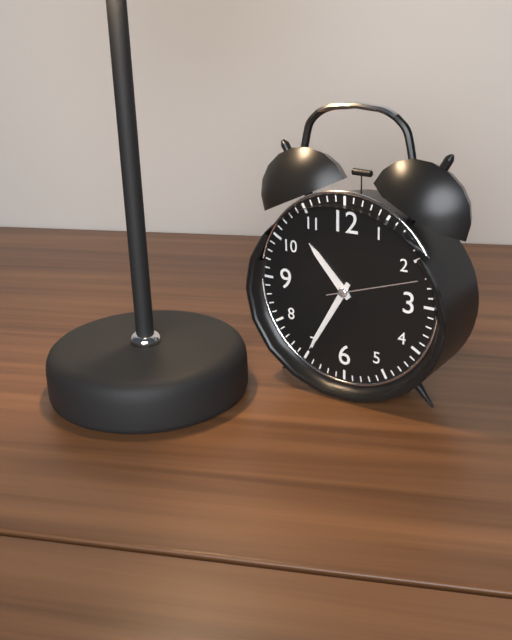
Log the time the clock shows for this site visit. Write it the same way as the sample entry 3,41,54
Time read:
10,35,12
